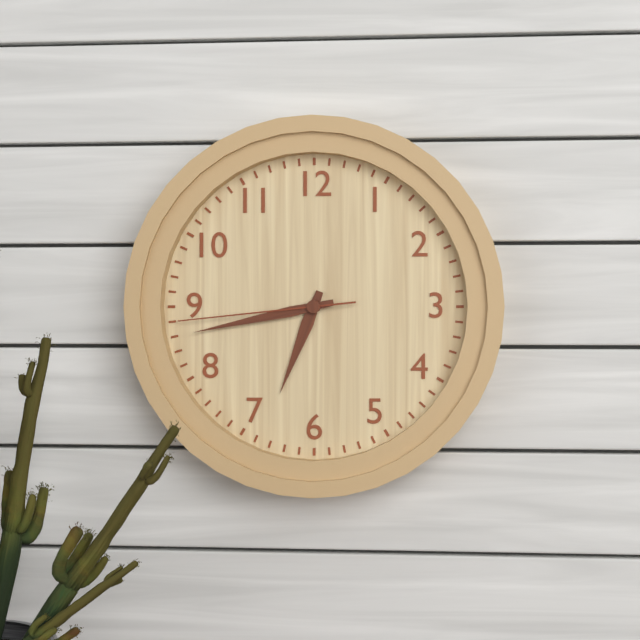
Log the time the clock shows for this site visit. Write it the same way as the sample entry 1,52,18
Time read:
6,43,44
